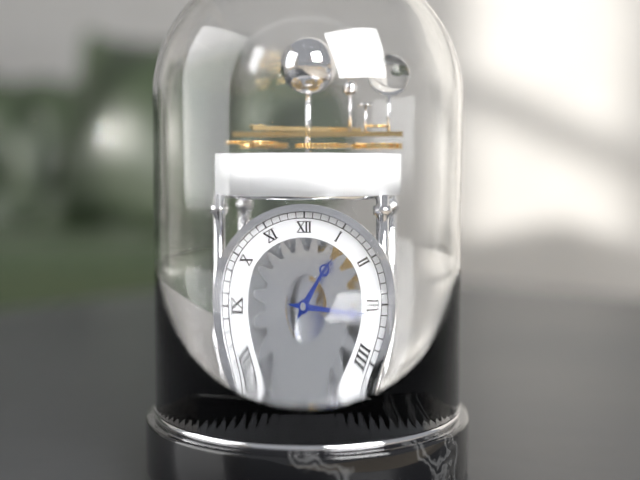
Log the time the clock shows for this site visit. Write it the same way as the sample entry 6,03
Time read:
1,16
